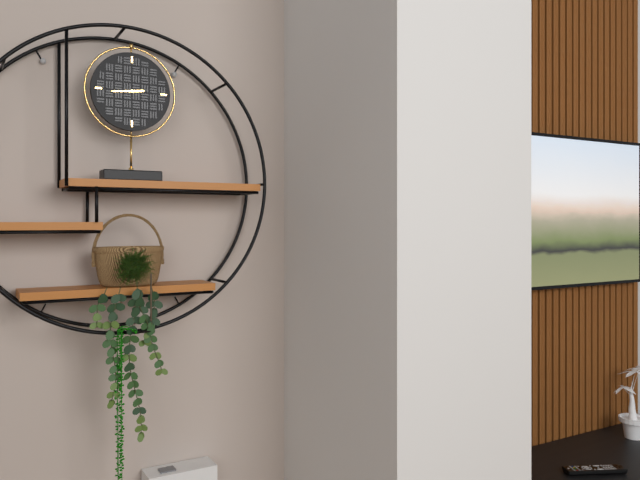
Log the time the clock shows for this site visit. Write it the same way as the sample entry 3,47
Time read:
2,44
